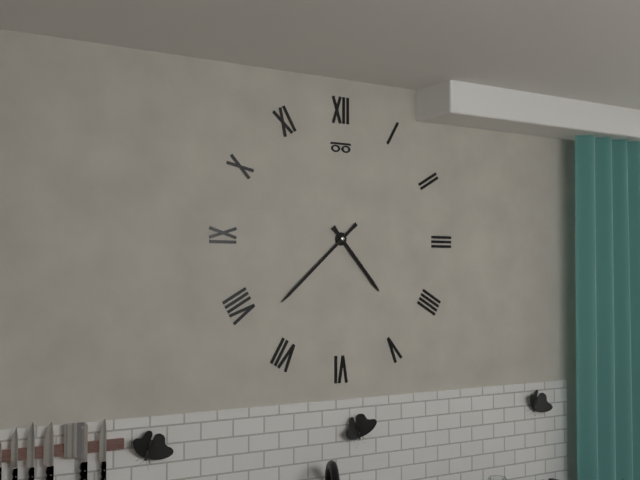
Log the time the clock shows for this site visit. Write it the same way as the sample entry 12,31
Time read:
4,38
